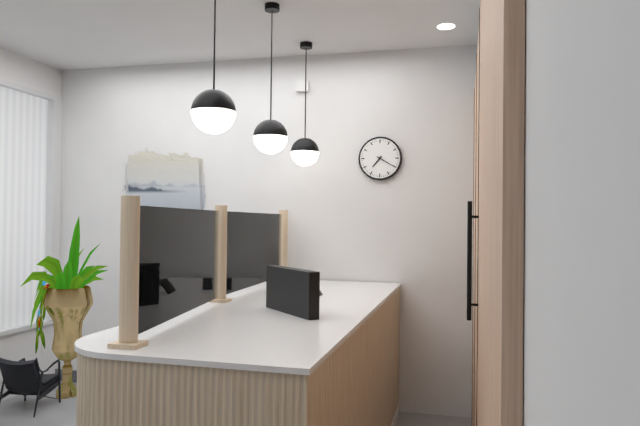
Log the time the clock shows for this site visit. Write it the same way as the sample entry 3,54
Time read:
7,20
